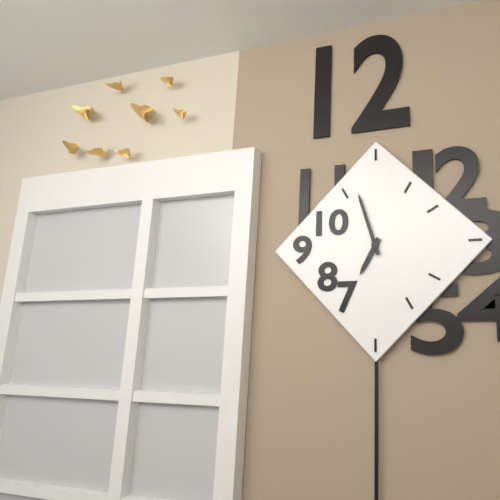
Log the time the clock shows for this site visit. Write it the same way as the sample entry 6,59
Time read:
6,57
